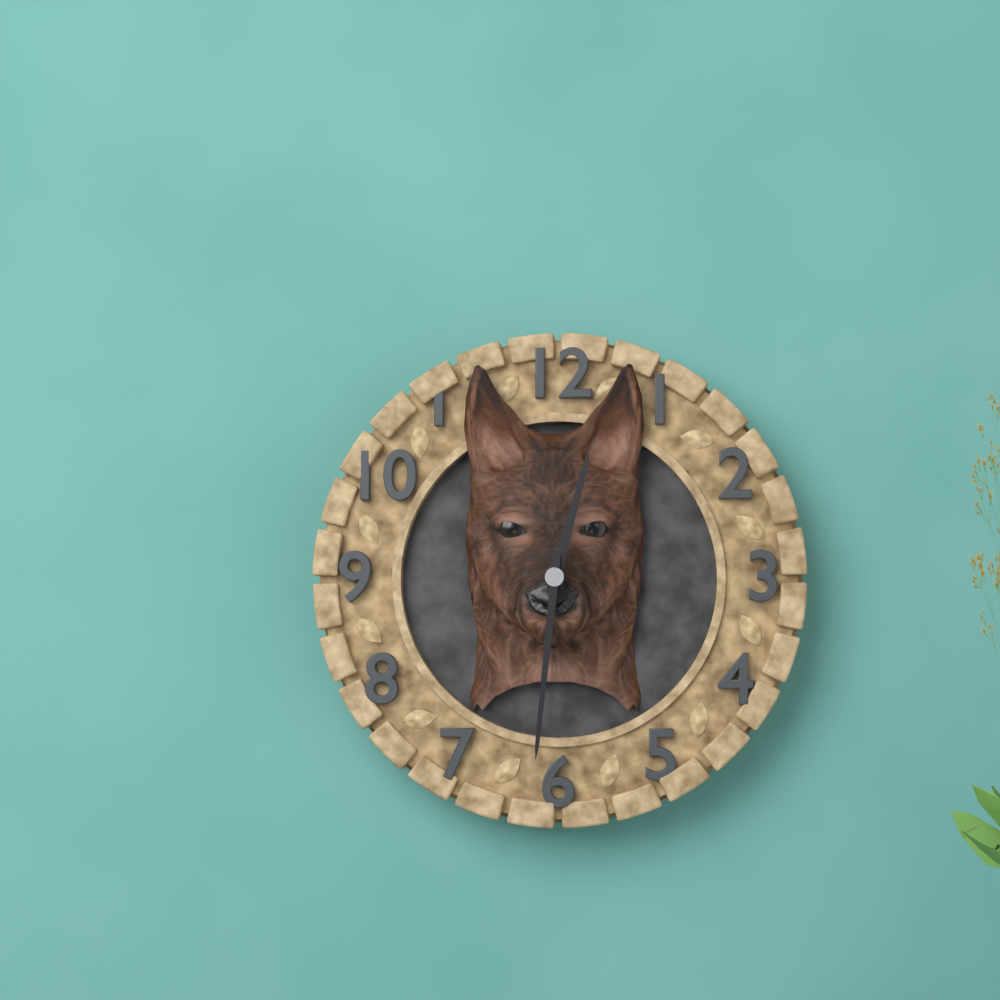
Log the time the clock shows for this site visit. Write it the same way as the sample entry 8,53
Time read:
12,31
